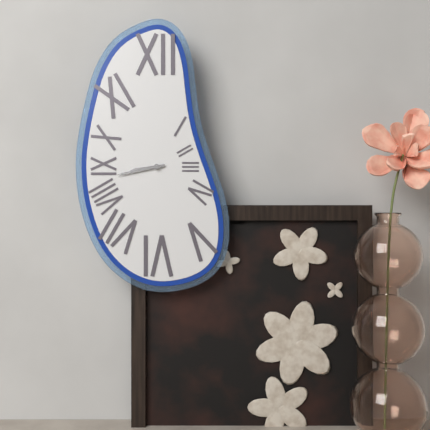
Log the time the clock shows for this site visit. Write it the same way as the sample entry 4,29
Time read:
8,43
